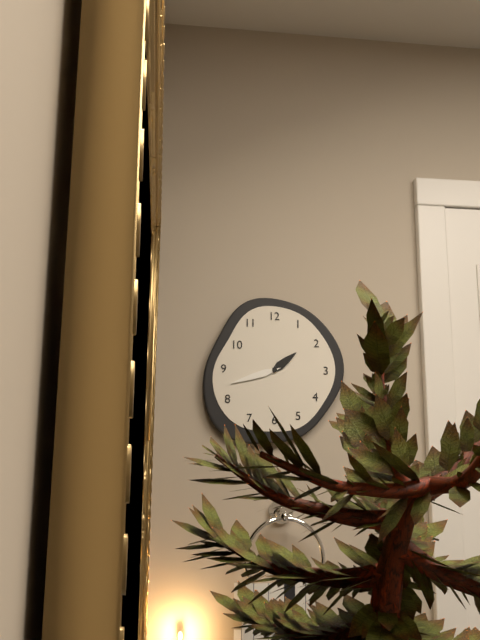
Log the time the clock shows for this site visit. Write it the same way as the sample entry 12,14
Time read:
1,42
